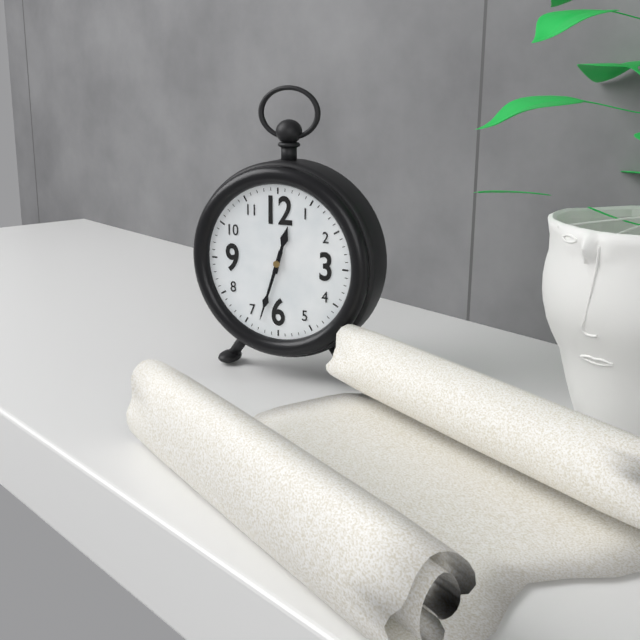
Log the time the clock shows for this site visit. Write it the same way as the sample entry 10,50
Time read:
12,33
